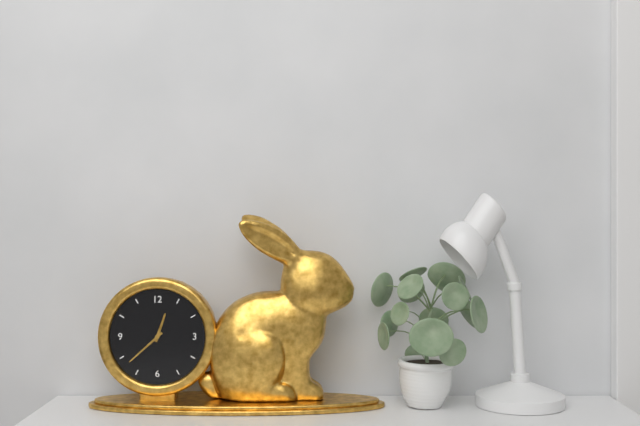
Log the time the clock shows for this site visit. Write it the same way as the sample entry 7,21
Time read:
12,38
